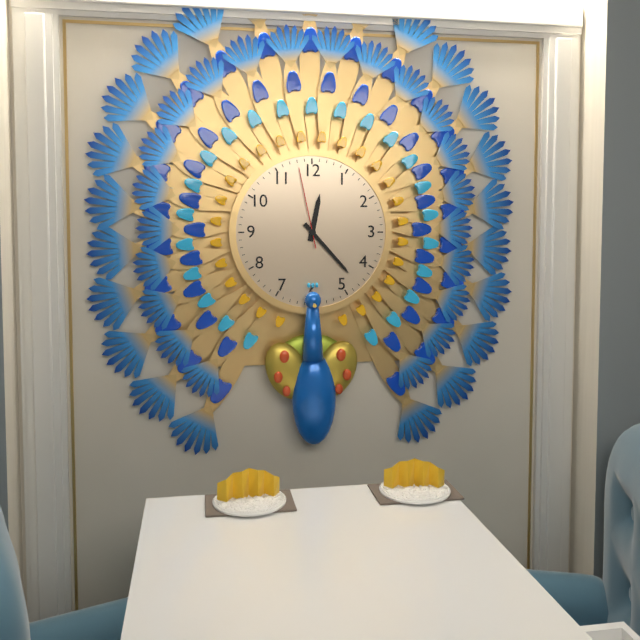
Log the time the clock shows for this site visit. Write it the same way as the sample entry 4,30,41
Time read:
12,23,58
